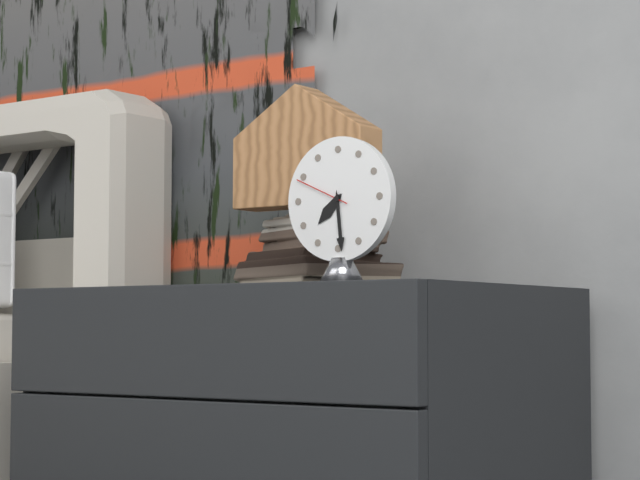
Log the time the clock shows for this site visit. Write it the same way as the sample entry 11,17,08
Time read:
7,29,49
